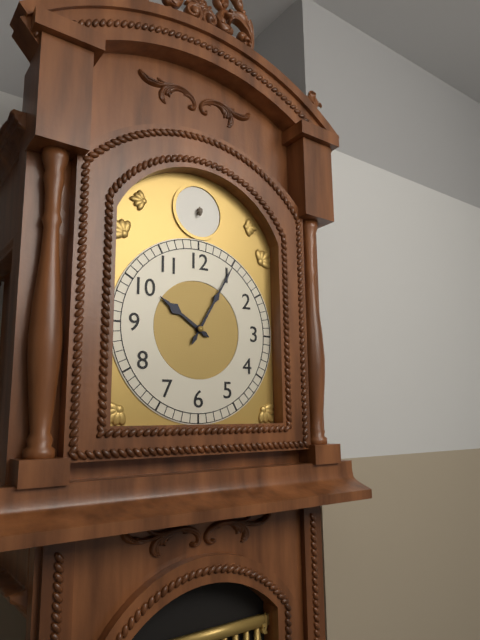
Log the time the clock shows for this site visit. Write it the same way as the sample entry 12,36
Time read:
10,05
